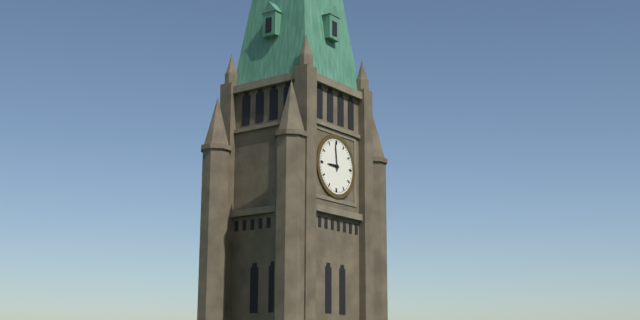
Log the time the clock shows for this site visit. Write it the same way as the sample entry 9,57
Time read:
8,59
